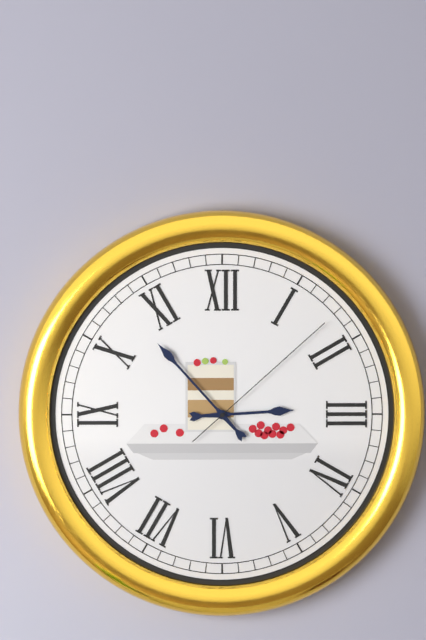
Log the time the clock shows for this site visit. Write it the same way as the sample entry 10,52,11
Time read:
2,53,08
